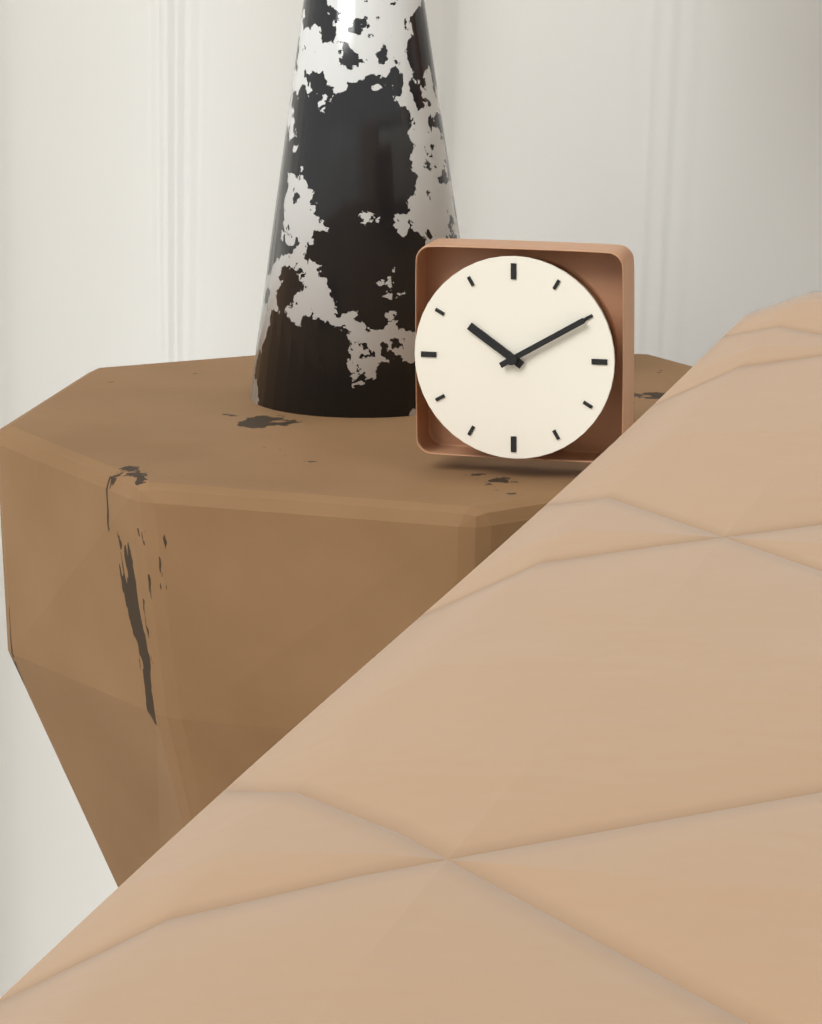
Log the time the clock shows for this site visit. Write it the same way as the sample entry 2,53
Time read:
10,10
